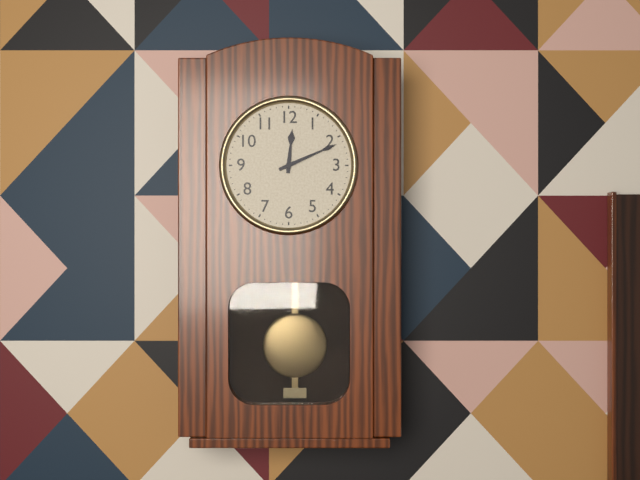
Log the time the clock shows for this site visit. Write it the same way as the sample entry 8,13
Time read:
12,11
